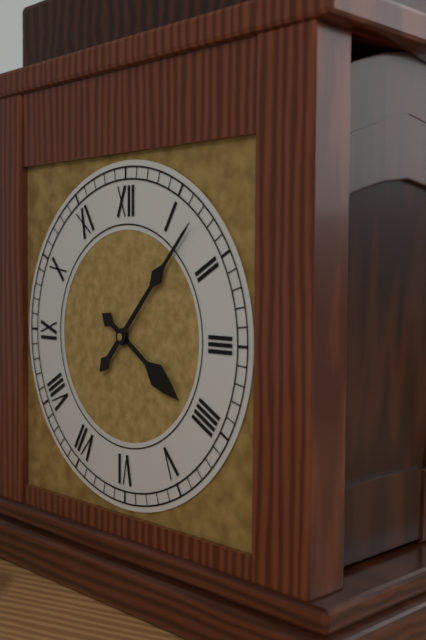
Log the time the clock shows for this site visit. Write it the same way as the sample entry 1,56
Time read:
4,07
